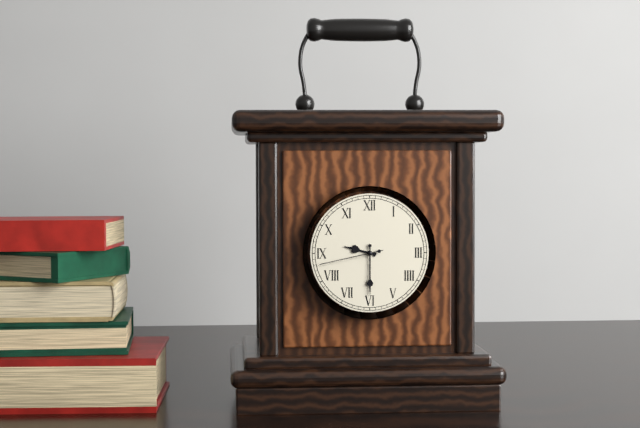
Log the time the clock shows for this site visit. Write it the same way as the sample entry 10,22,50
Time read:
9,30,43
